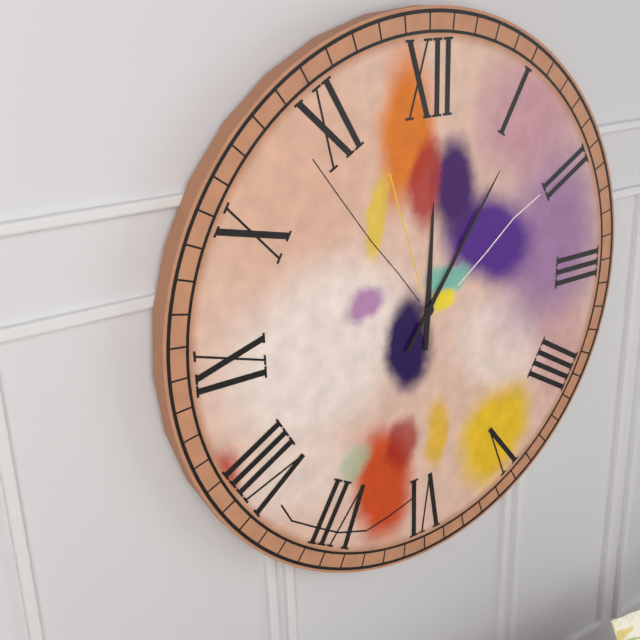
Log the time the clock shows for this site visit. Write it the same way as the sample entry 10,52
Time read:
12,06
